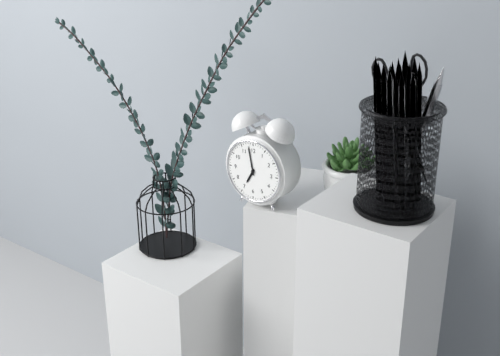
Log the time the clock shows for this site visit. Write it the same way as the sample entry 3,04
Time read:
6,58
